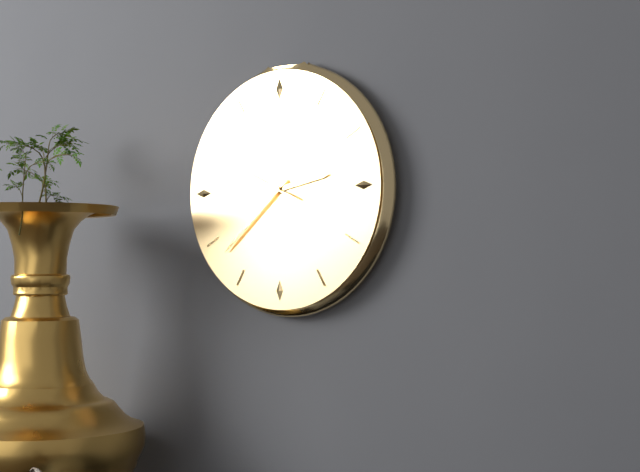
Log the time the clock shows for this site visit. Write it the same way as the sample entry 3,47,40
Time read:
2,38,49
